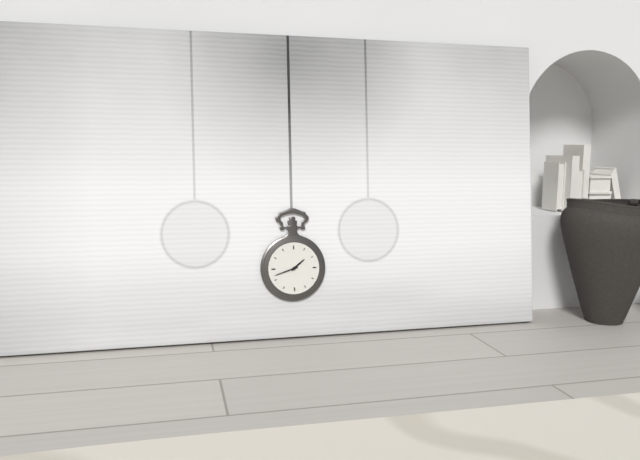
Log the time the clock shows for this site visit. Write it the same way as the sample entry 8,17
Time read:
1,42
